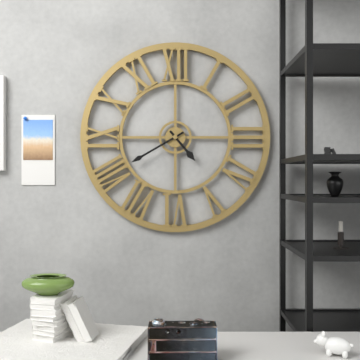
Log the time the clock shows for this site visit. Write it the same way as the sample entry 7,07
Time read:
4,40
